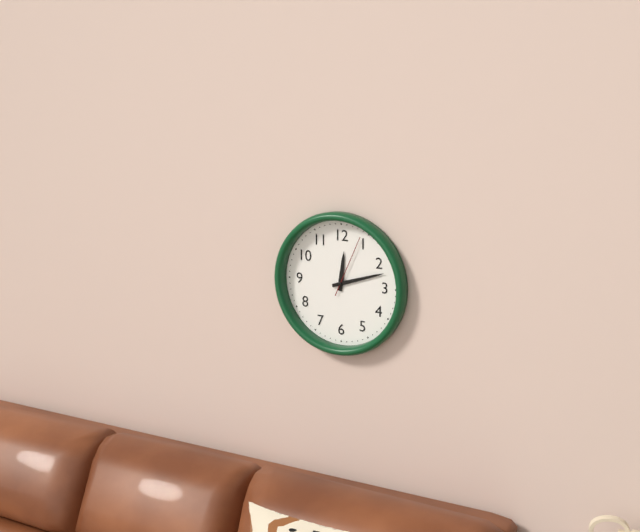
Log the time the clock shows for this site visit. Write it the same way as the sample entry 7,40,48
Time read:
12,12,04
